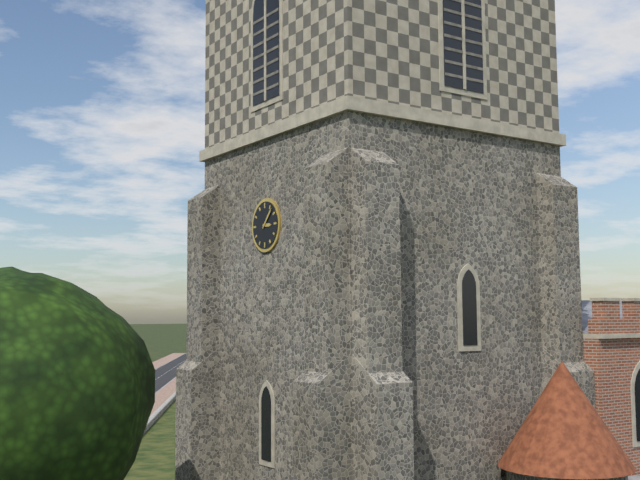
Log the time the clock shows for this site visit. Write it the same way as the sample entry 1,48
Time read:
3,07
